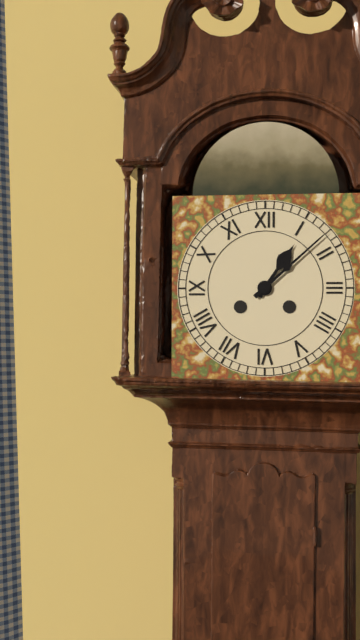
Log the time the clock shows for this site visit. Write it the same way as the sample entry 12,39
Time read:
1,08
